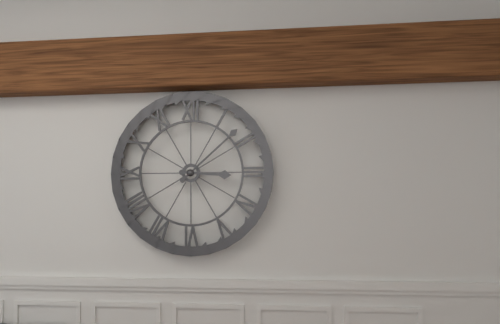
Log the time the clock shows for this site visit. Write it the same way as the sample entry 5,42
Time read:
3,08
